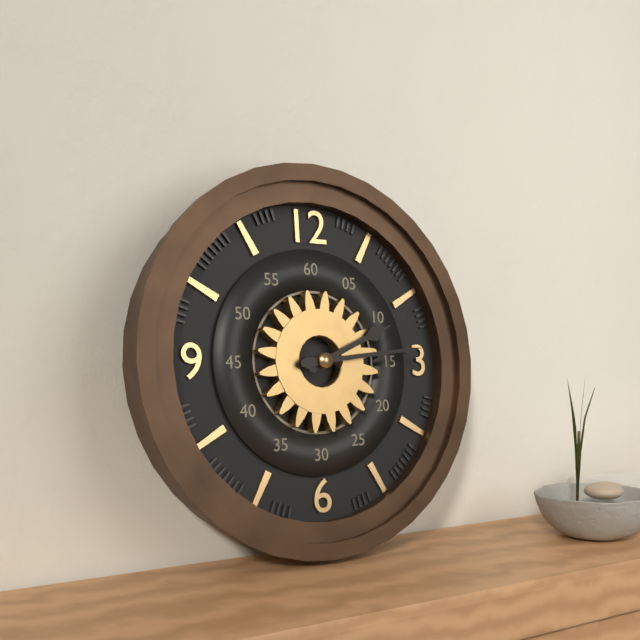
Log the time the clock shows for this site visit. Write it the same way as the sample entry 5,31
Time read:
2,14
